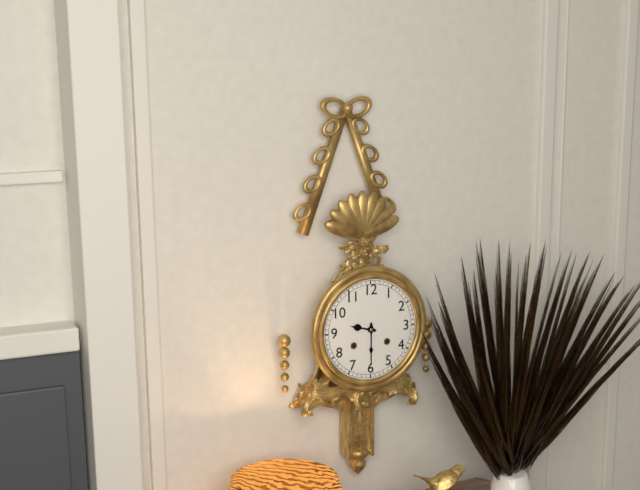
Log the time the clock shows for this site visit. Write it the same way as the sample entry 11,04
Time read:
9,30
